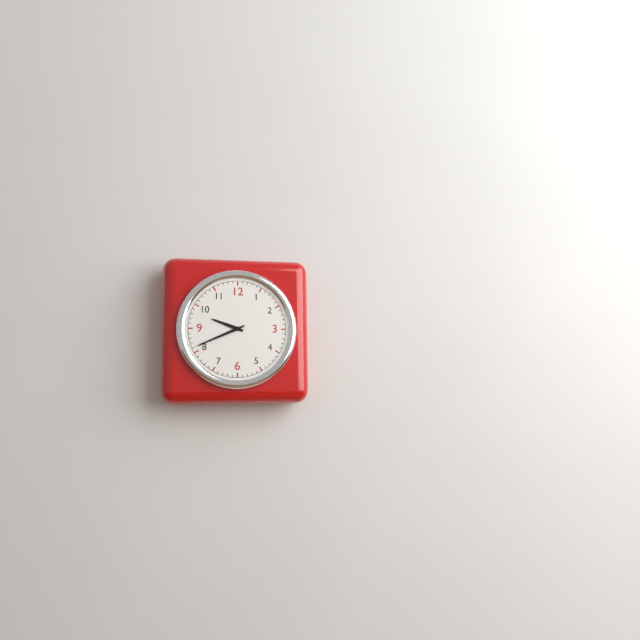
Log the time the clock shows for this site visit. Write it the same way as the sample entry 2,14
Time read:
9,41
